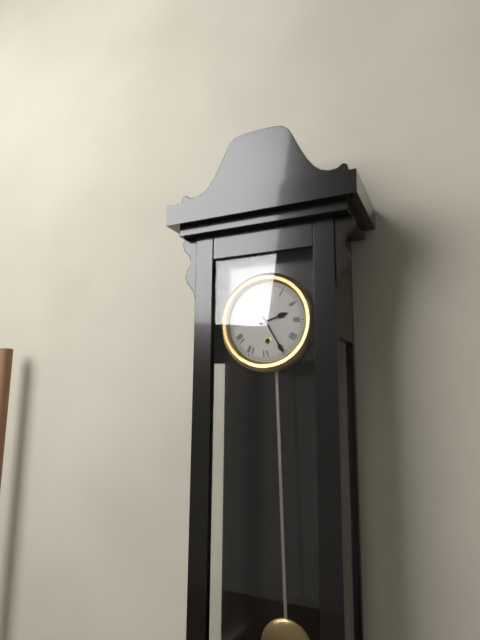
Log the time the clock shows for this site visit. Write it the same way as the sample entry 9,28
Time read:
2,25
